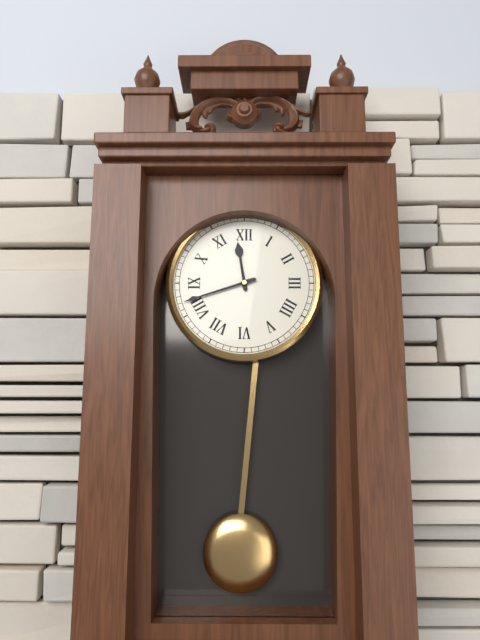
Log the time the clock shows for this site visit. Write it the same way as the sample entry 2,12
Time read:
11,42
